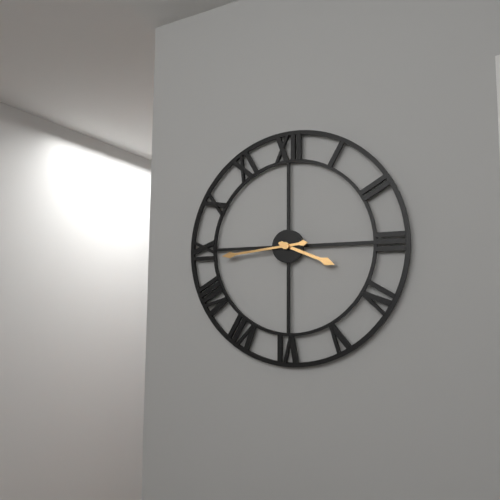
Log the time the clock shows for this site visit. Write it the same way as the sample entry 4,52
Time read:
3,44
